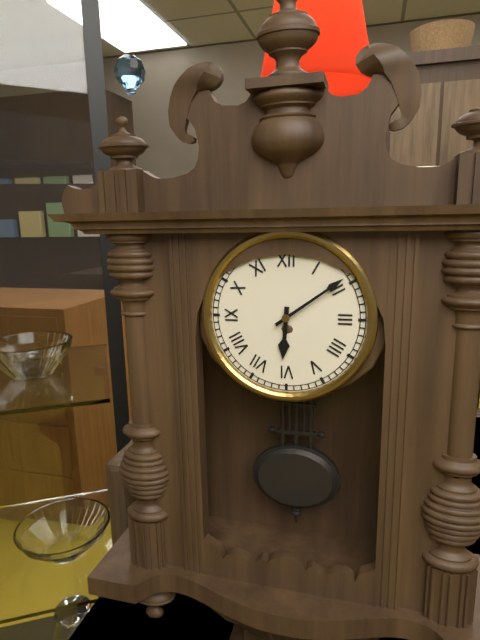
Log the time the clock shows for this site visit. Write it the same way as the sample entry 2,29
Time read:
6,09
